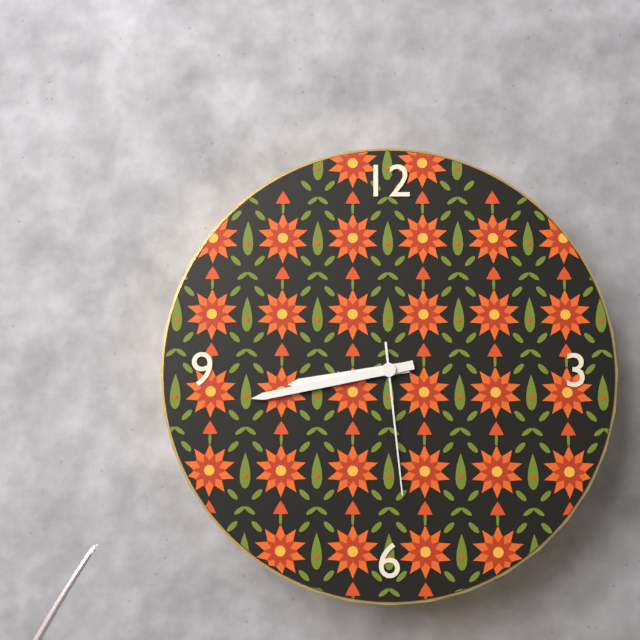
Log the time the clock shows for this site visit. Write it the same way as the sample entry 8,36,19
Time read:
8,43,29
